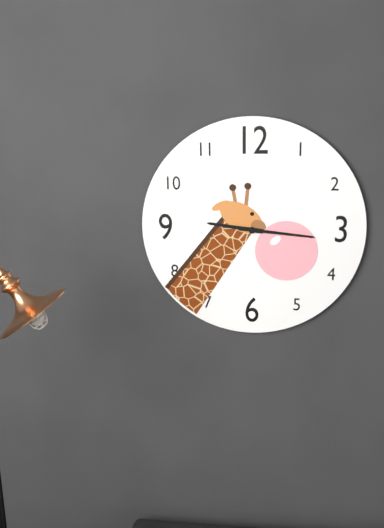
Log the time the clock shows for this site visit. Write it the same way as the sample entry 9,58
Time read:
9,16
